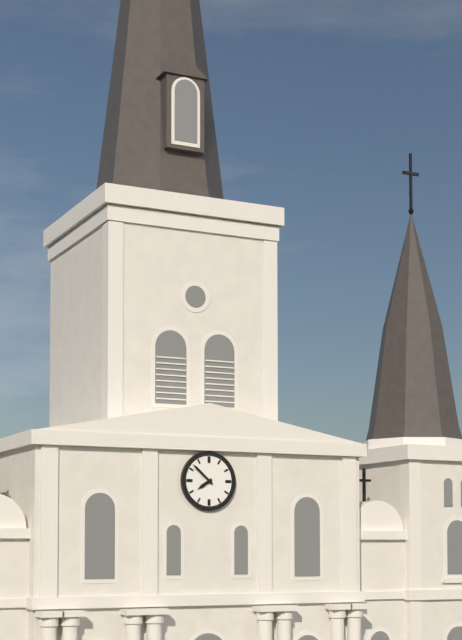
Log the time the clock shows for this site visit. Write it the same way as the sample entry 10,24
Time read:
7,52
